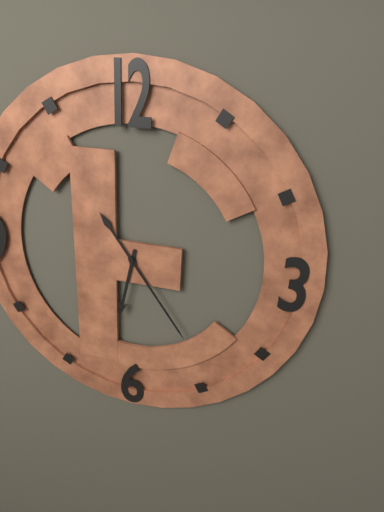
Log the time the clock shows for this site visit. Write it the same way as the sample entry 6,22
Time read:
6,24
